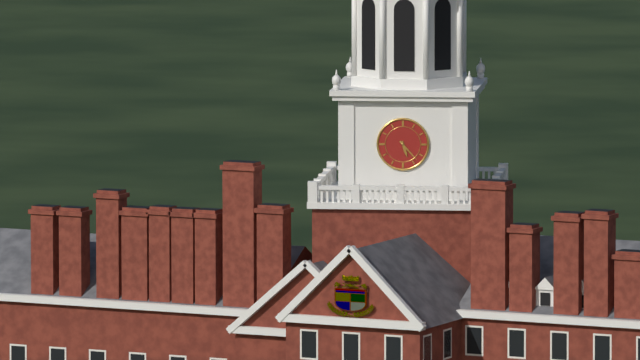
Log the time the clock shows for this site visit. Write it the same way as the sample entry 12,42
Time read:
5,23
